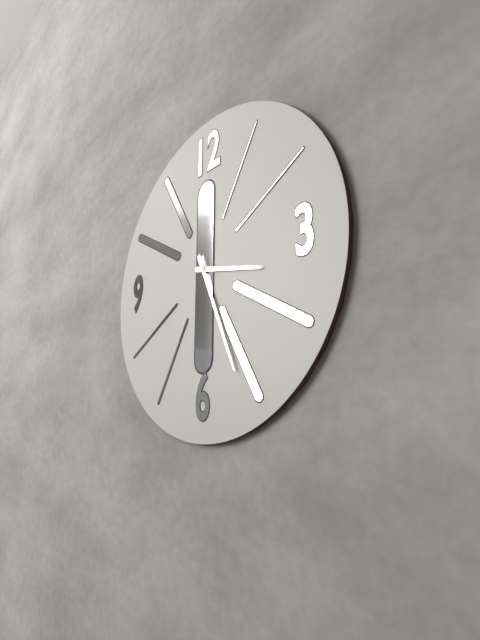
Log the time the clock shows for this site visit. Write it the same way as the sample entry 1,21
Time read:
3,26
